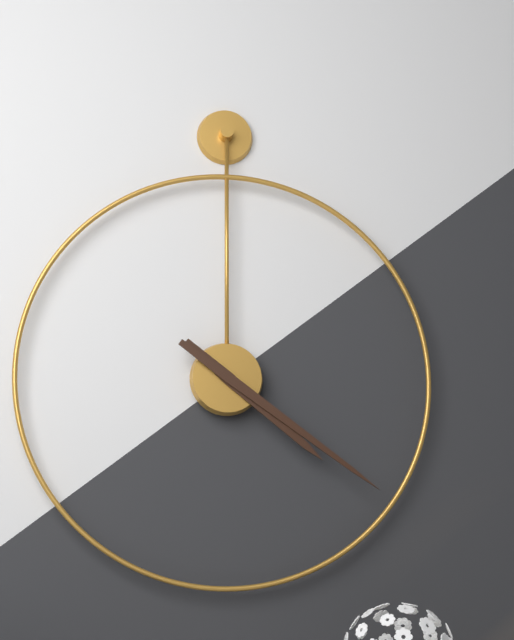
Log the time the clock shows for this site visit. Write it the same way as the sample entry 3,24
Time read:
4,21
